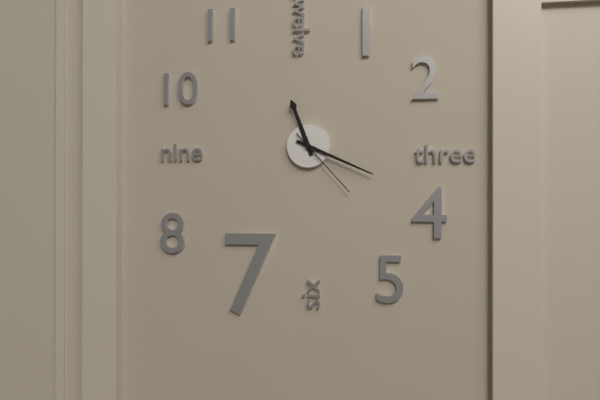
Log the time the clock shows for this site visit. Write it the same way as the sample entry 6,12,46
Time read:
11,19,23
